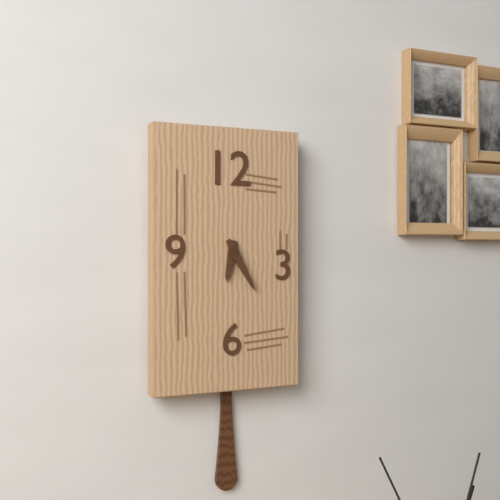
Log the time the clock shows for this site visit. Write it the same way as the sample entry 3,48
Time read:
6,25
